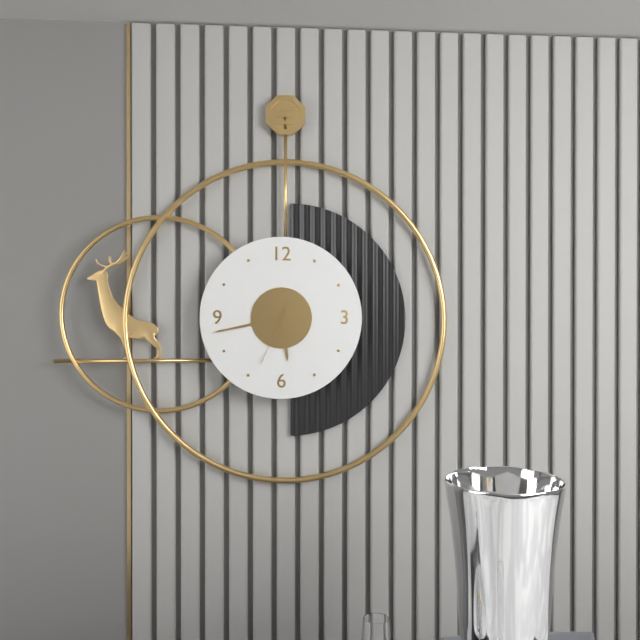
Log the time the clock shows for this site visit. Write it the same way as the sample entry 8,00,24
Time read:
5,43,34
